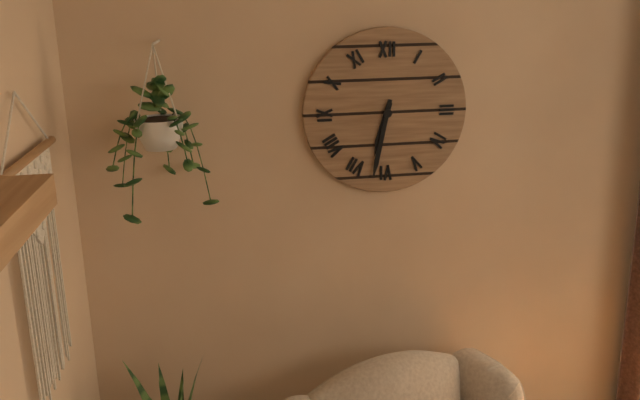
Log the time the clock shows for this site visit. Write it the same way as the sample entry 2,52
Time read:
6,32
